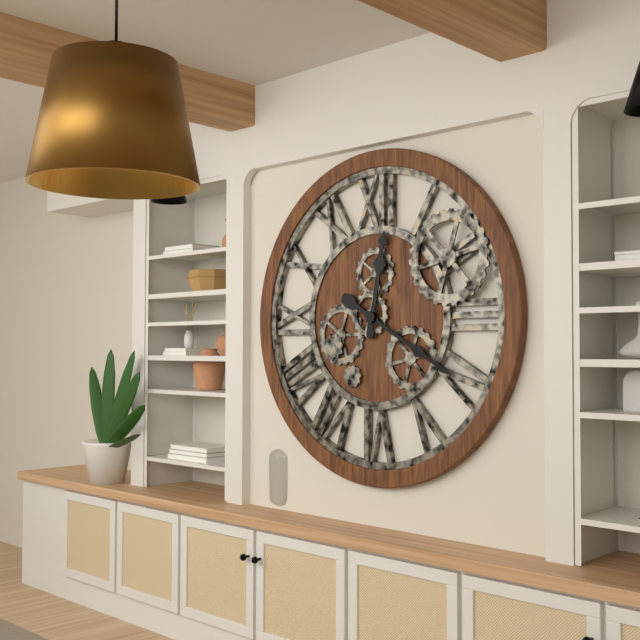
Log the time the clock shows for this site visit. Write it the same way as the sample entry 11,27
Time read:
12,20
